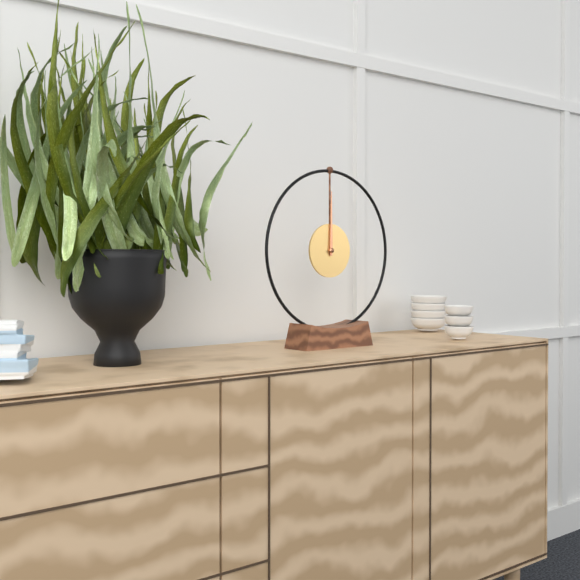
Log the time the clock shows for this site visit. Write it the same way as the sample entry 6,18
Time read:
12,00
